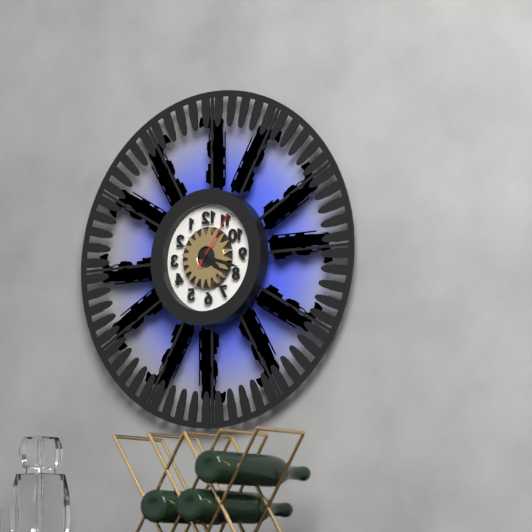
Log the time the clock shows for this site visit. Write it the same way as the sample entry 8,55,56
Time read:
4,18,06
